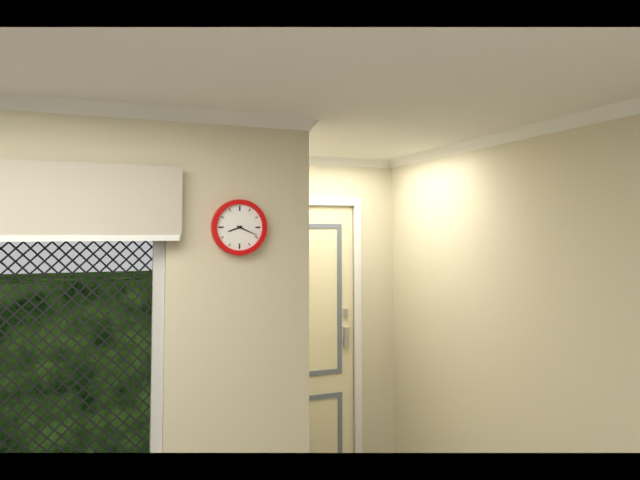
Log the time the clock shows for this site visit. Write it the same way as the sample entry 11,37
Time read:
8,19
